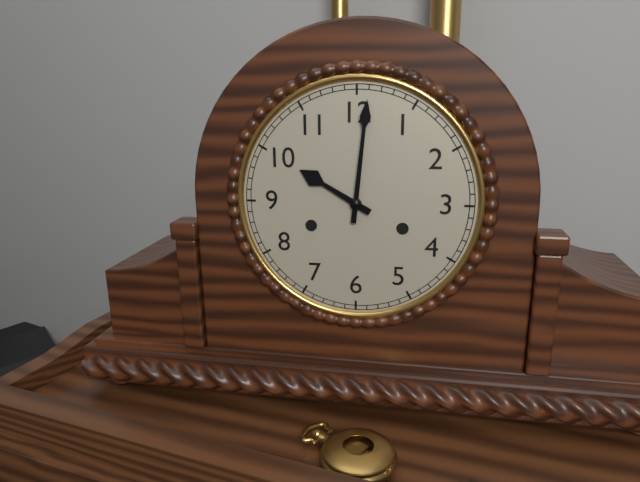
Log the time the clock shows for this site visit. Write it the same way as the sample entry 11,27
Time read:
10,01
